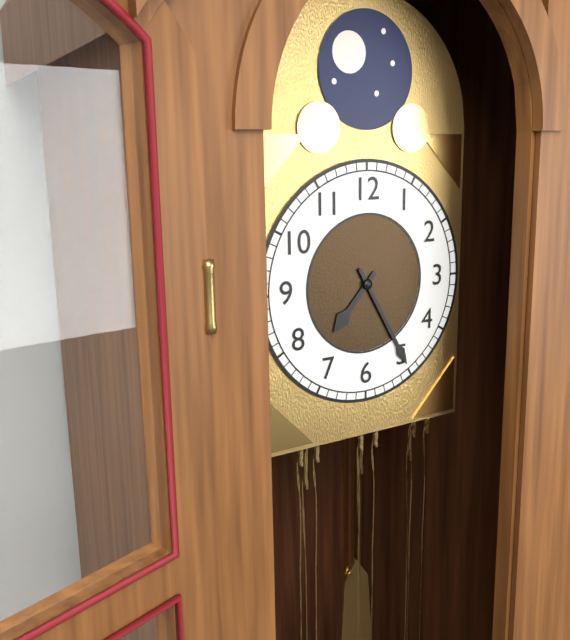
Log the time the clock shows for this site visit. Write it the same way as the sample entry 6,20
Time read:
7,25
